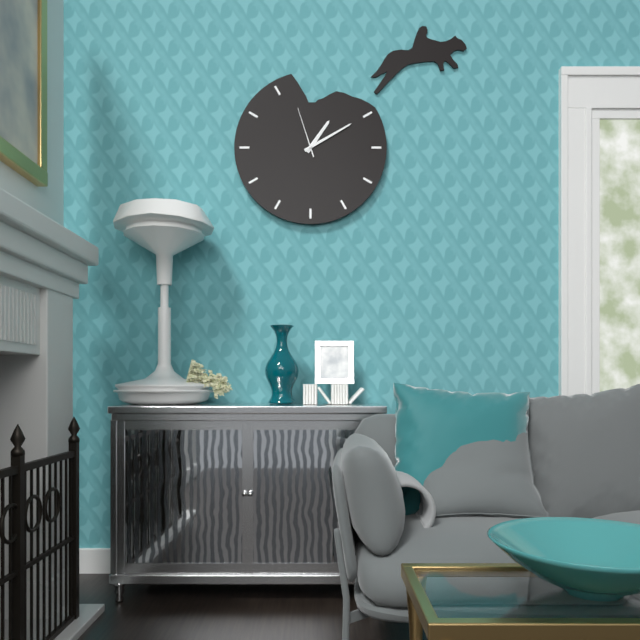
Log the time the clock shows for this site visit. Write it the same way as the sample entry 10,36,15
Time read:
1,10,57
